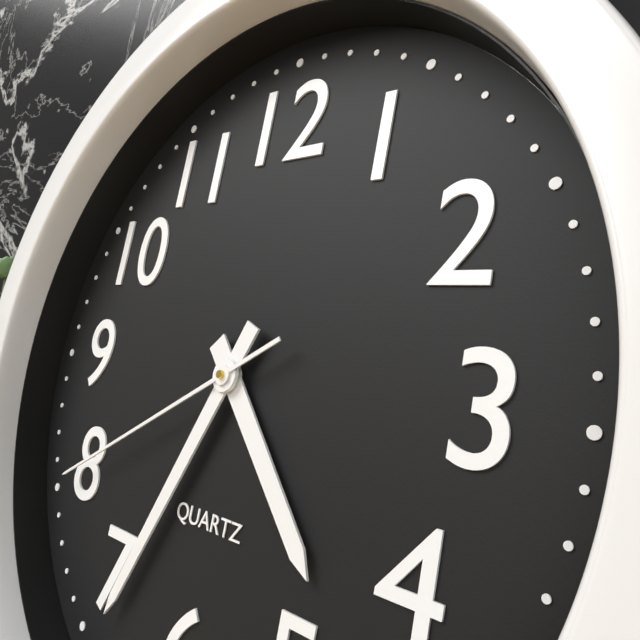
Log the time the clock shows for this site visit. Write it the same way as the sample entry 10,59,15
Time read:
4,34,40
